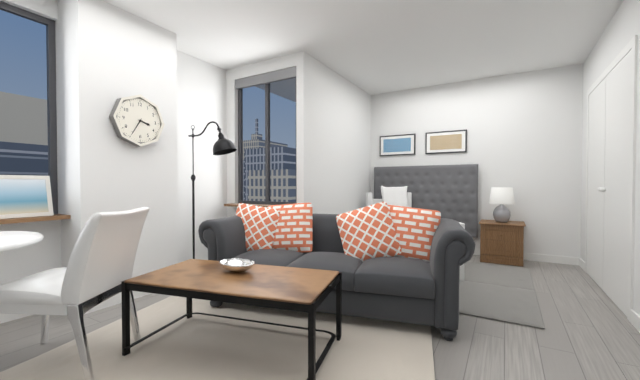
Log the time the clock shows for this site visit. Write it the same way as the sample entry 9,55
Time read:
3,35
